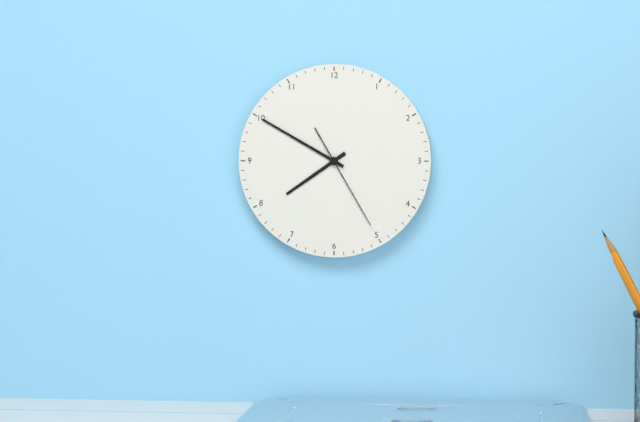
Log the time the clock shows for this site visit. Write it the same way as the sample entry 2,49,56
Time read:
7,50,25
